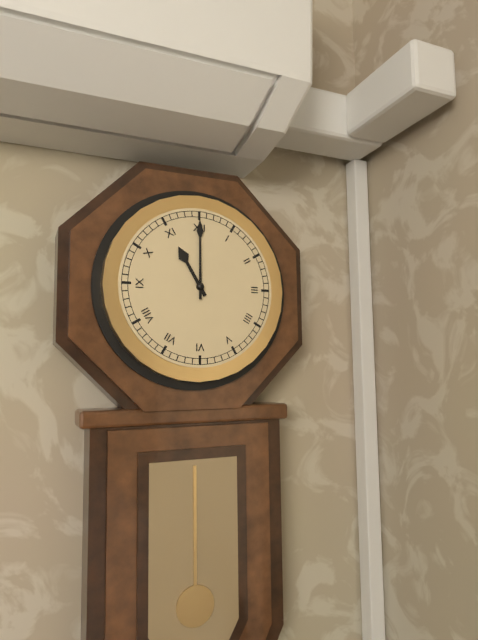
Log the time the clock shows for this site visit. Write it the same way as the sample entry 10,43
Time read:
11,00
